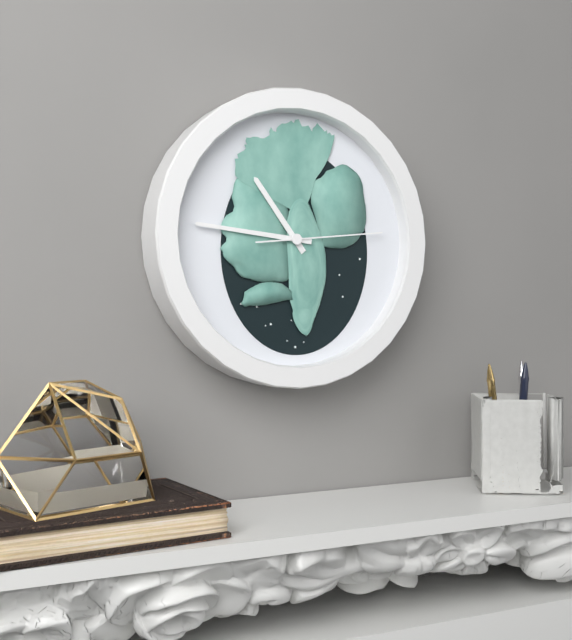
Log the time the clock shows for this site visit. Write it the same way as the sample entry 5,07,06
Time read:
10,46,14
